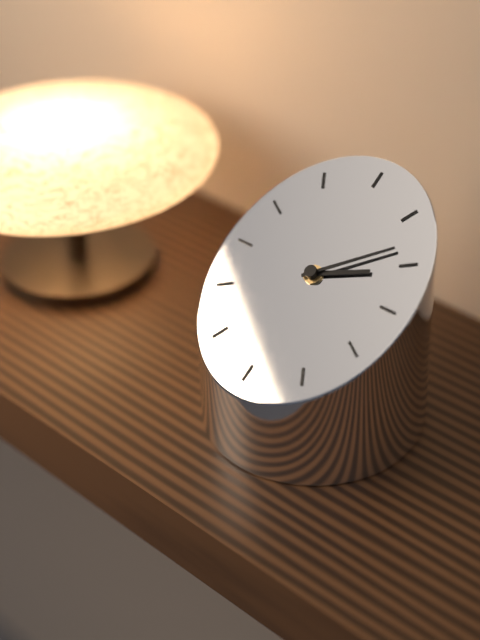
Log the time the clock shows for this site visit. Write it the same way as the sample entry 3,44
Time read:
2,08
